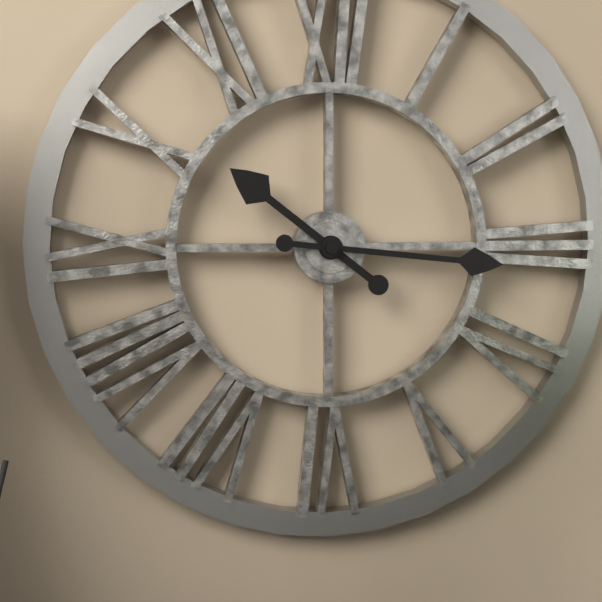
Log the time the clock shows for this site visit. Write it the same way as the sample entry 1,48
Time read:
10,16
